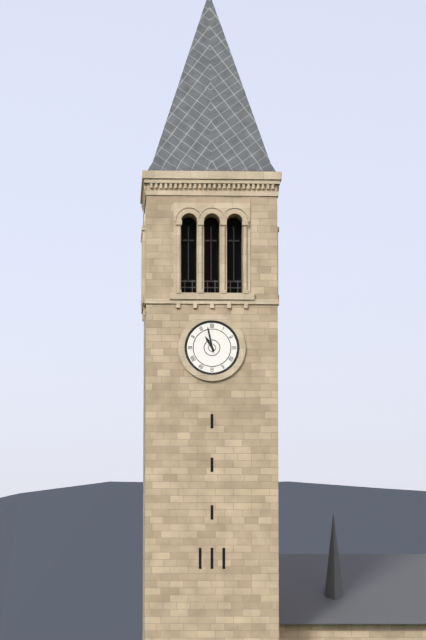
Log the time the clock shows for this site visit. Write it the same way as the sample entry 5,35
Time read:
10,58
